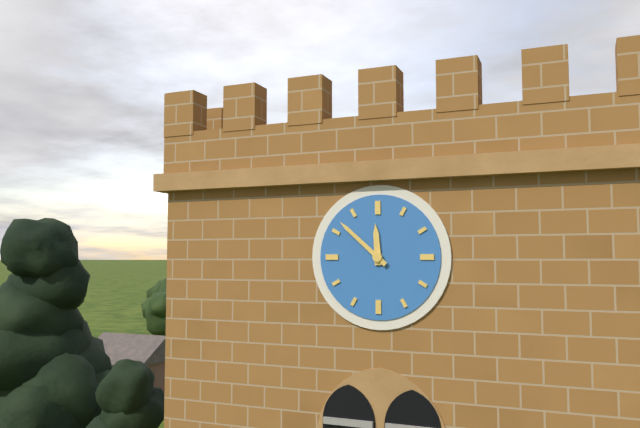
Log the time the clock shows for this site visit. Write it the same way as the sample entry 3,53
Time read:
11,52
